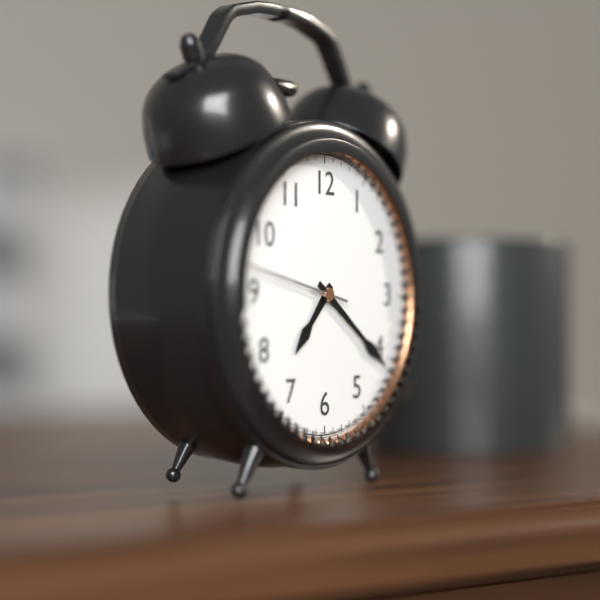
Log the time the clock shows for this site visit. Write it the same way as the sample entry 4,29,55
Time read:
7,21,47
